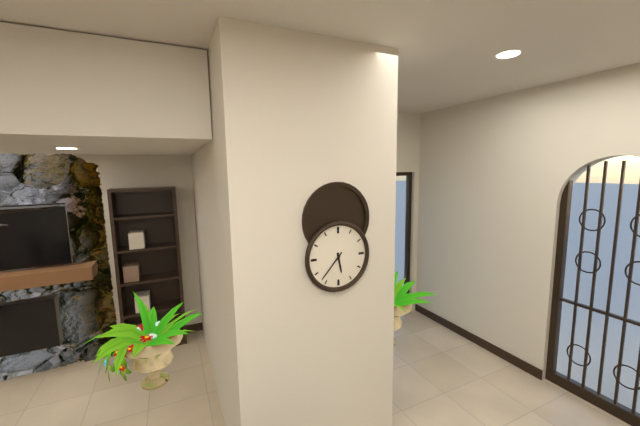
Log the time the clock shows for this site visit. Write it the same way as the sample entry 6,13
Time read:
5,37
